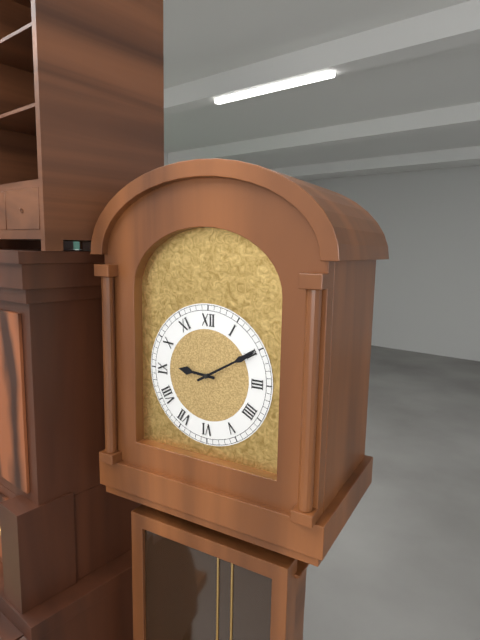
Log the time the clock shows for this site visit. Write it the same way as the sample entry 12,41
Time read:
9,10
